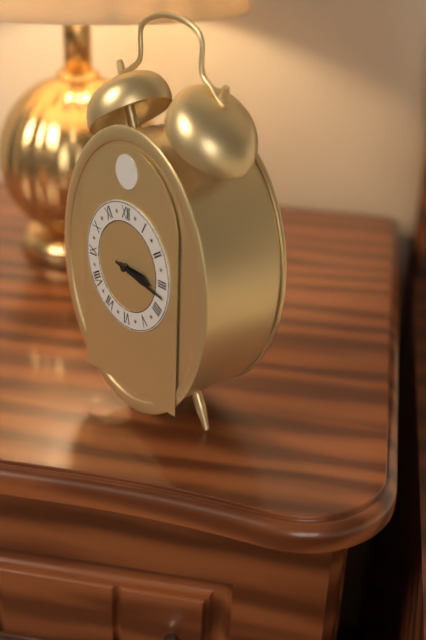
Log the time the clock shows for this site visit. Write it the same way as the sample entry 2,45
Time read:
3,17
